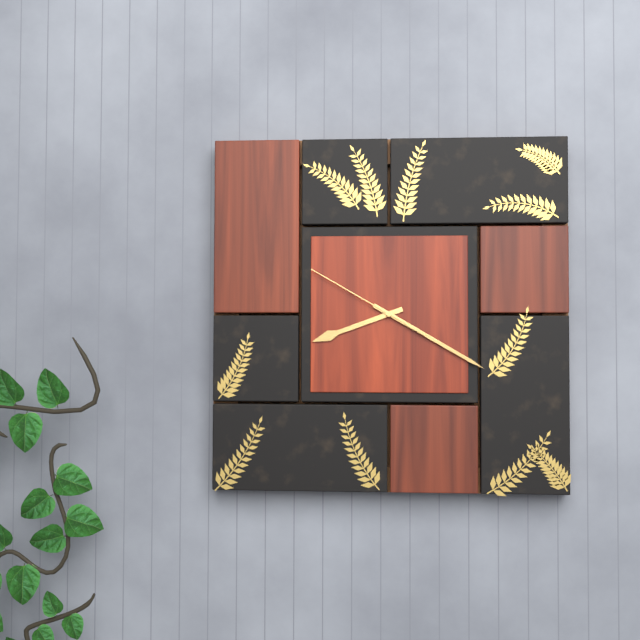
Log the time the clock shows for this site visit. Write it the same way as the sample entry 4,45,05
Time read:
8,20,50
